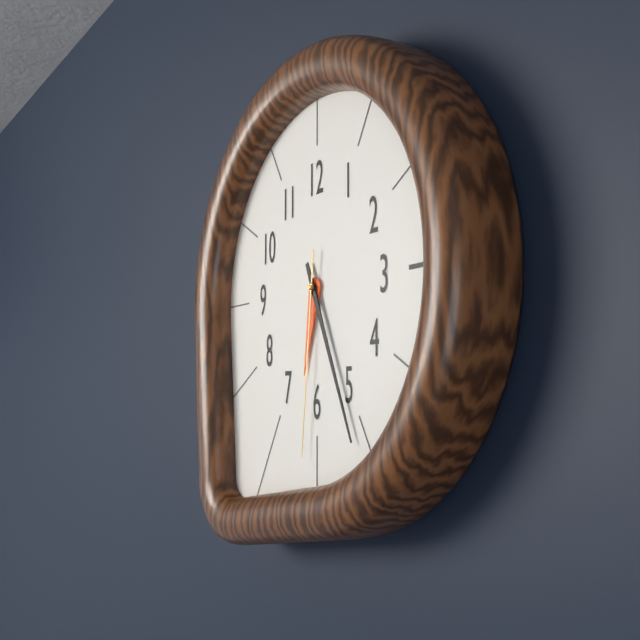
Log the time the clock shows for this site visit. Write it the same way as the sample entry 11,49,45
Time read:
6,26,31
